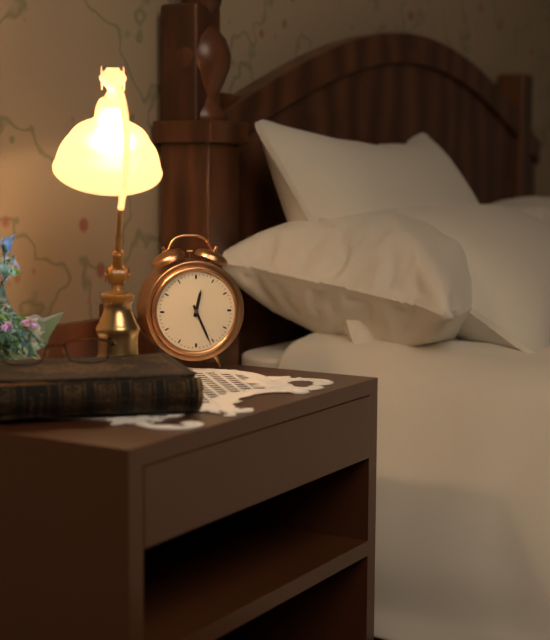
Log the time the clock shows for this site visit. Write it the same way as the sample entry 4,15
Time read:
12,26
